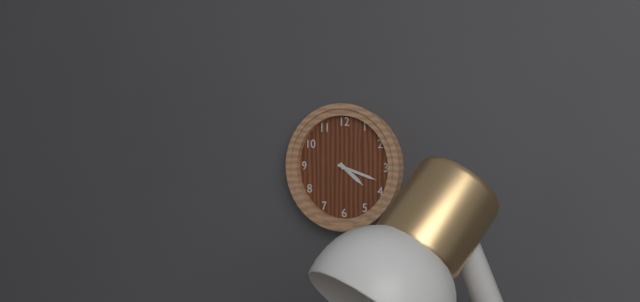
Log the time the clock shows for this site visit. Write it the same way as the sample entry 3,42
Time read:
4,18
